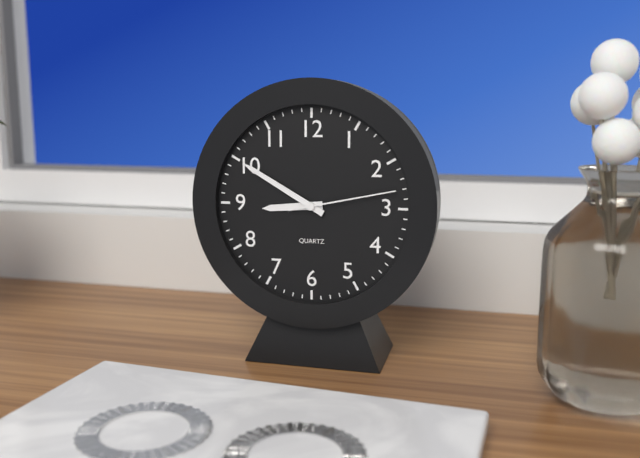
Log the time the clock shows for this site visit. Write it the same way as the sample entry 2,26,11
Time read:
8,50,13
